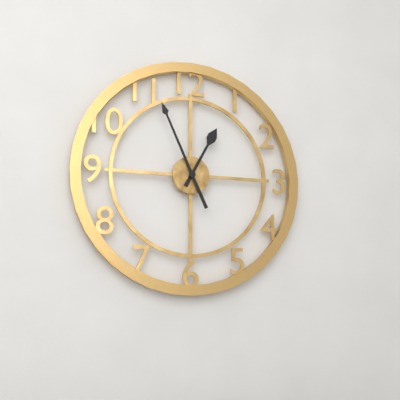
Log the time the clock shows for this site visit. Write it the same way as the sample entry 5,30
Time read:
12,56
